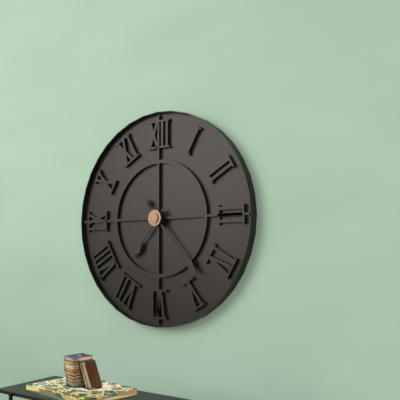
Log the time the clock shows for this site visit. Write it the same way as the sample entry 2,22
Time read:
7,23
